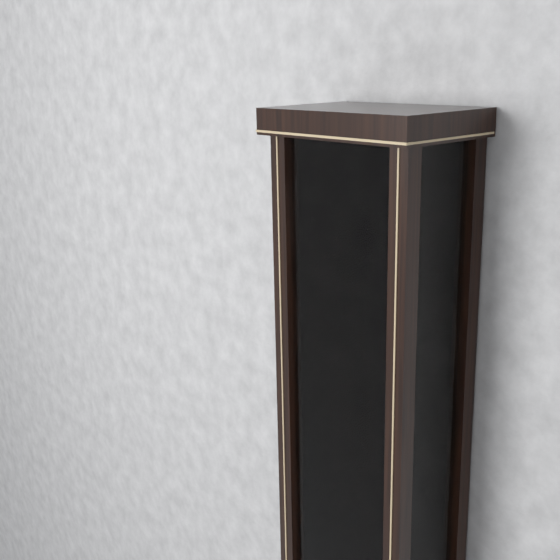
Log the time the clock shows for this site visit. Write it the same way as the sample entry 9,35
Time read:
5,46
